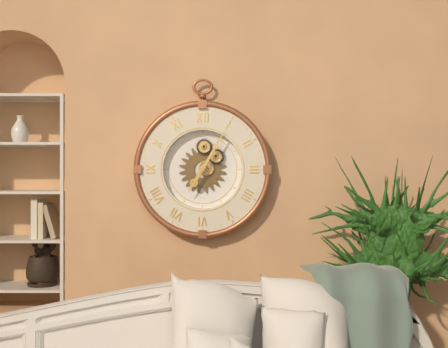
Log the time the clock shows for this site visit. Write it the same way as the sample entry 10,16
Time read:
7,05
